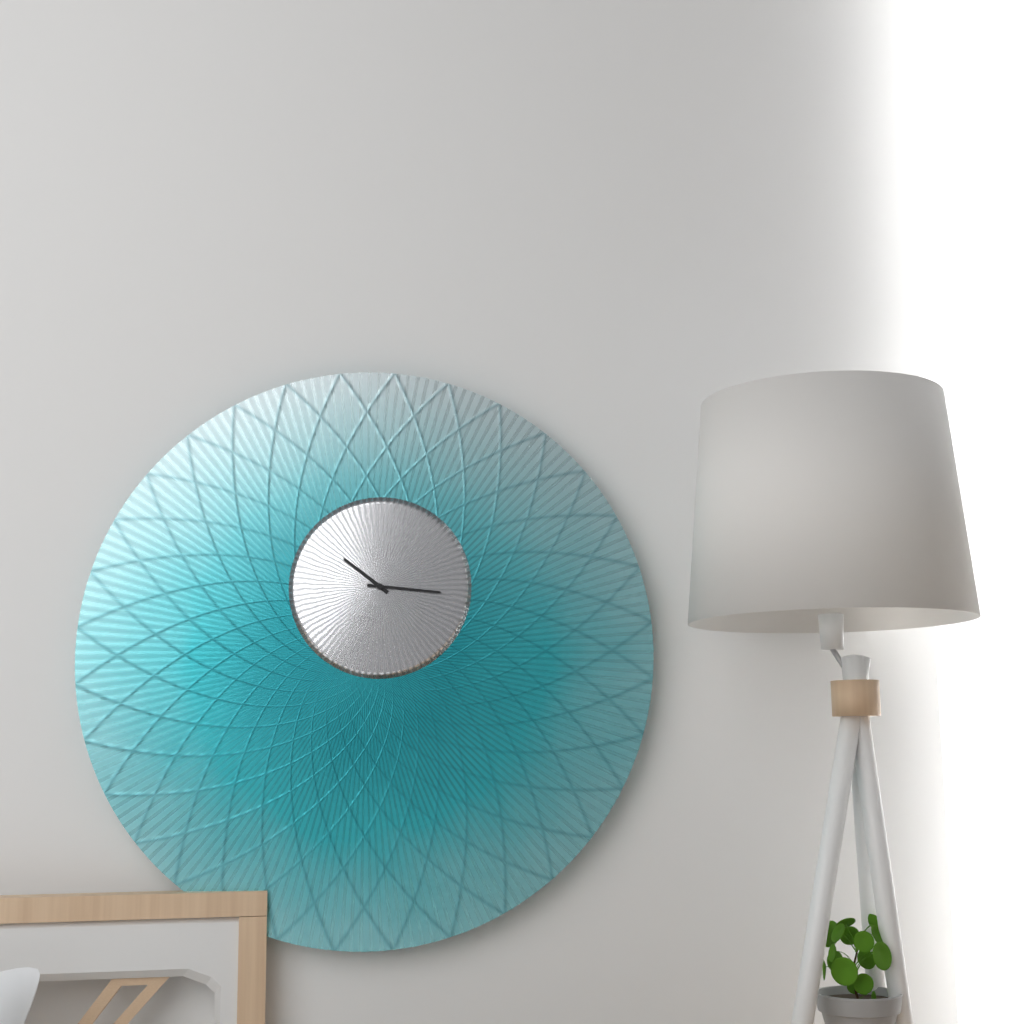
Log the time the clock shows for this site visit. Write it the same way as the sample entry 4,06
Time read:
10,16
